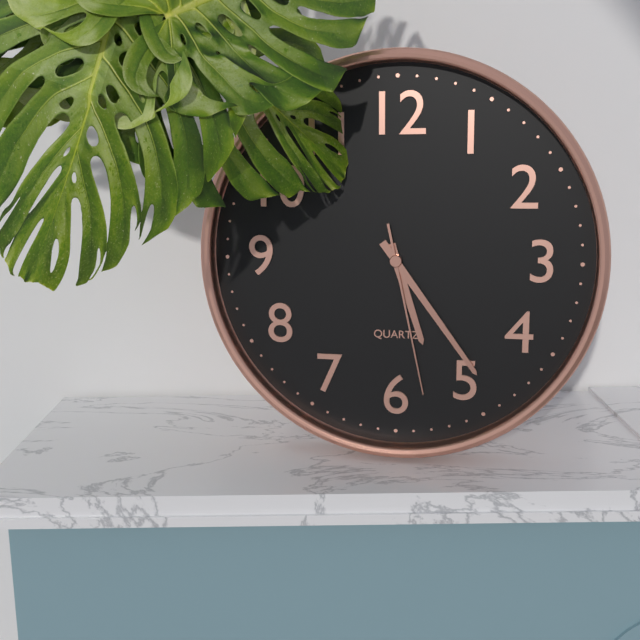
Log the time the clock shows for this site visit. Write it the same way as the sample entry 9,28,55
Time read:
5,24,28
